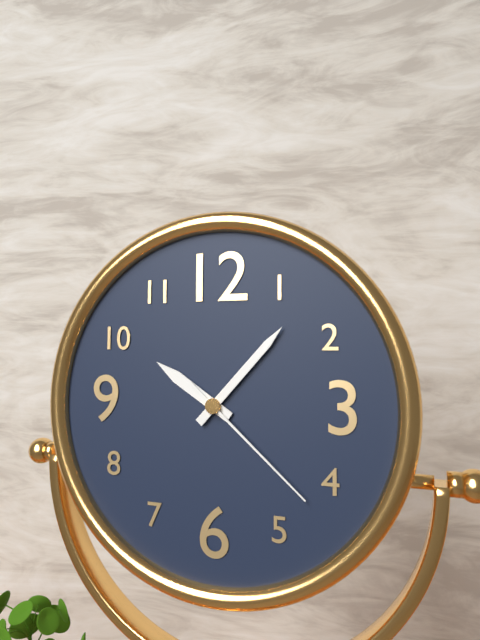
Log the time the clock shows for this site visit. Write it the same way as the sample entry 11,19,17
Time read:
10,07,22
